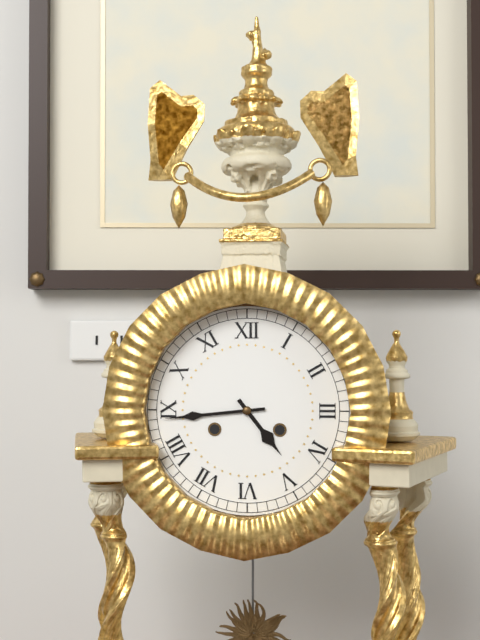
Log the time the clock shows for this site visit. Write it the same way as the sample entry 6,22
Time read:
4,44
